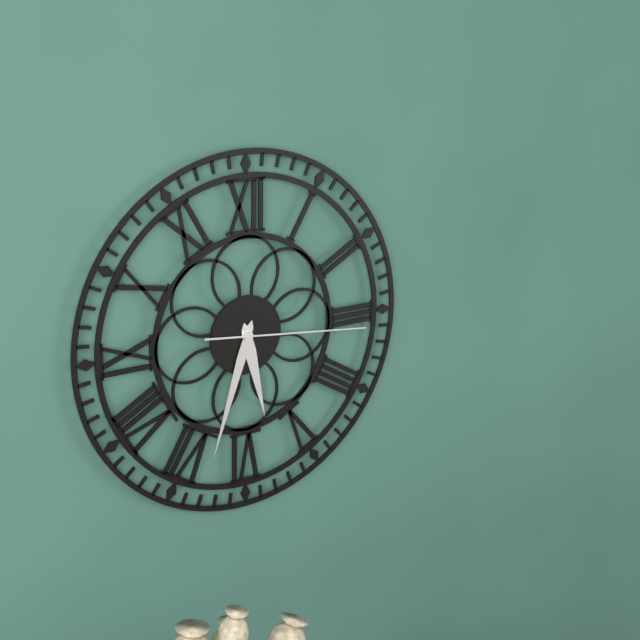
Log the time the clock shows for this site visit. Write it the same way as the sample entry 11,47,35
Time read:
5,33,16
